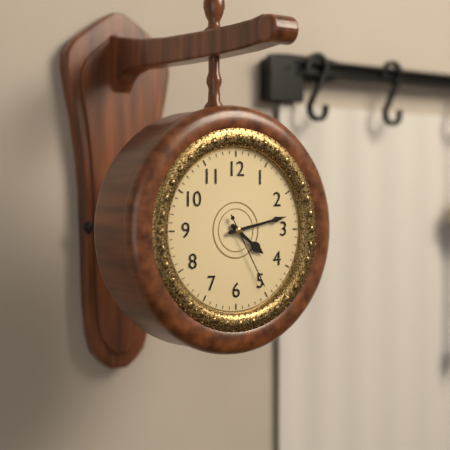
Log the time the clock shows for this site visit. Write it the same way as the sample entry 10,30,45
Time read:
4,13,25
